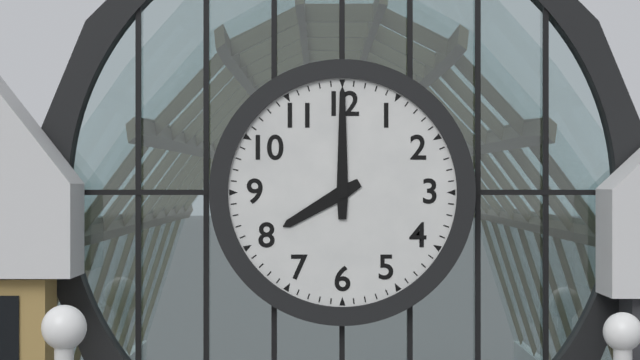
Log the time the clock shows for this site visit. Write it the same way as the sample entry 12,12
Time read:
8,00
